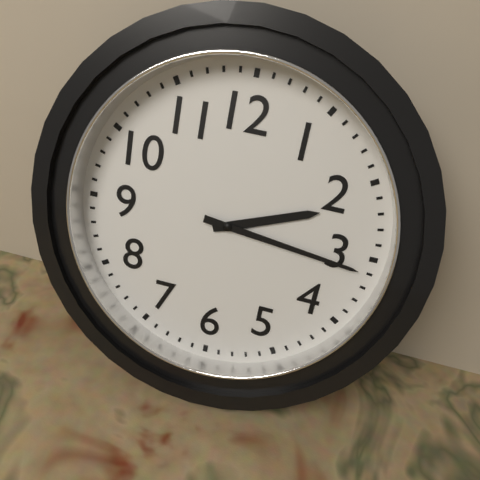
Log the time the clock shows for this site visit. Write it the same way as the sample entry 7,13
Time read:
2,16
